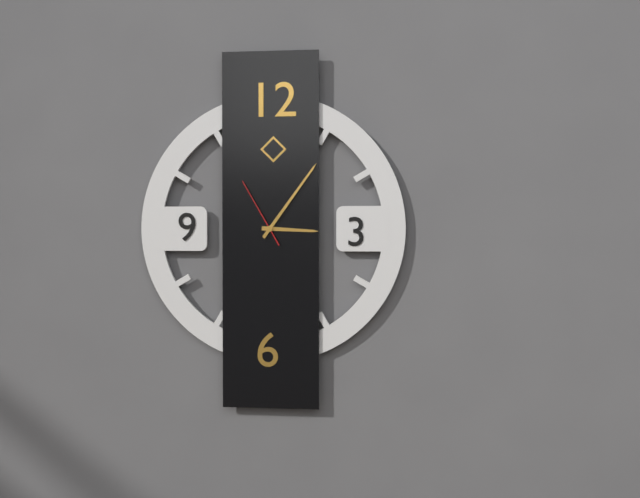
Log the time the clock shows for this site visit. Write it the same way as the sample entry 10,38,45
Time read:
3,06,55
